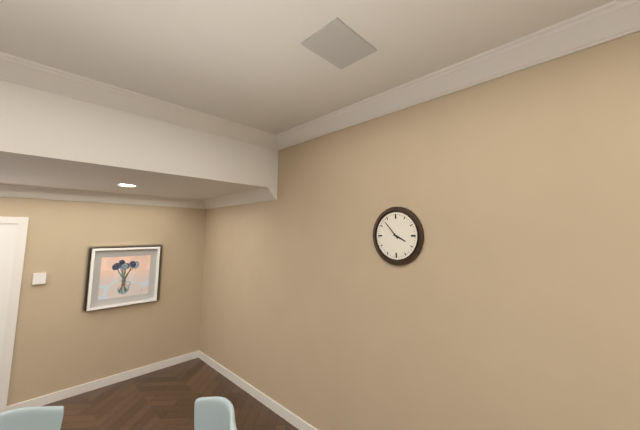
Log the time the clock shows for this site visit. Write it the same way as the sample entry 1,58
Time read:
3,53
